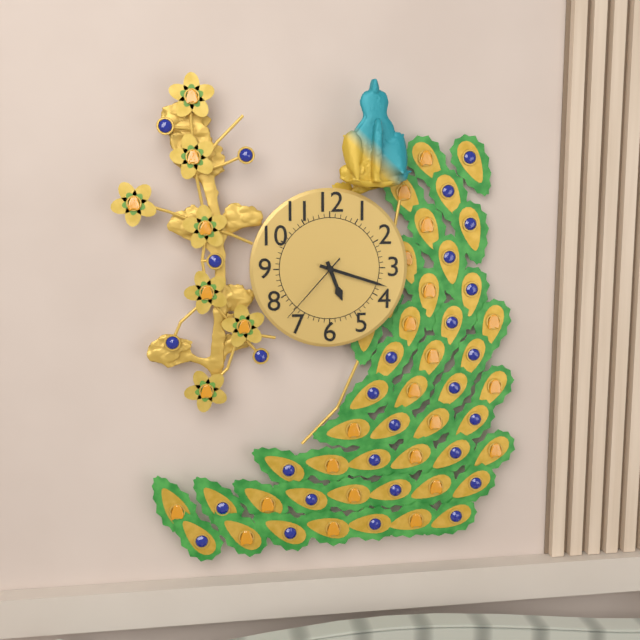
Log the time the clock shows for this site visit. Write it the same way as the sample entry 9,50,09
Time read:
5,18,37
